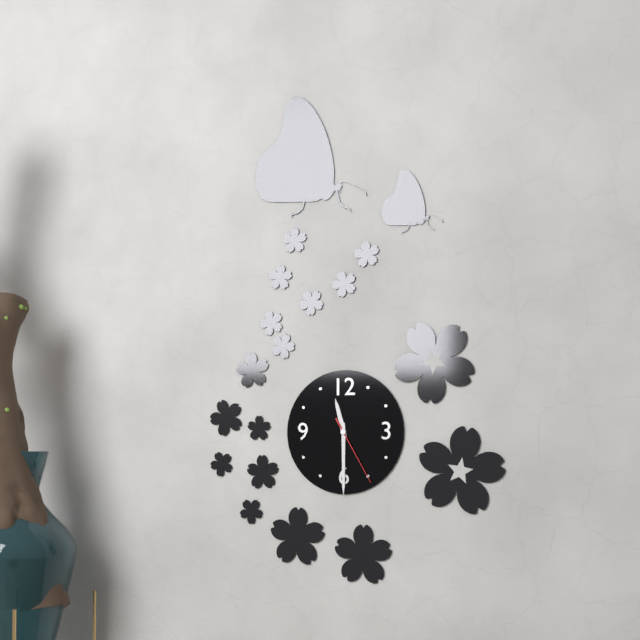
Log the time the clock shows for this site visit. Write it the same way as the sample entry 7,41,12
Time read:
11,30,25
